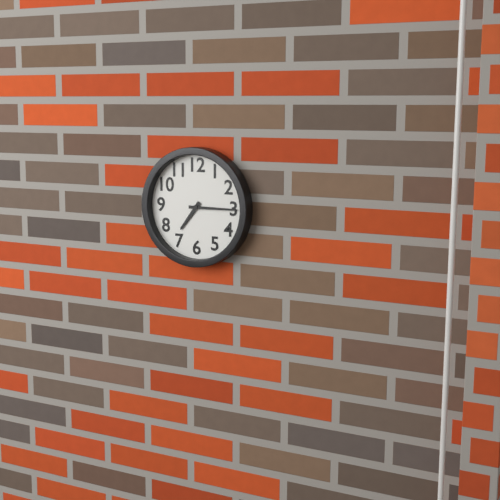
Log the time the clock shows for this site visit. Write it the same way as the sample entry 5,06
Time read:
7,15
